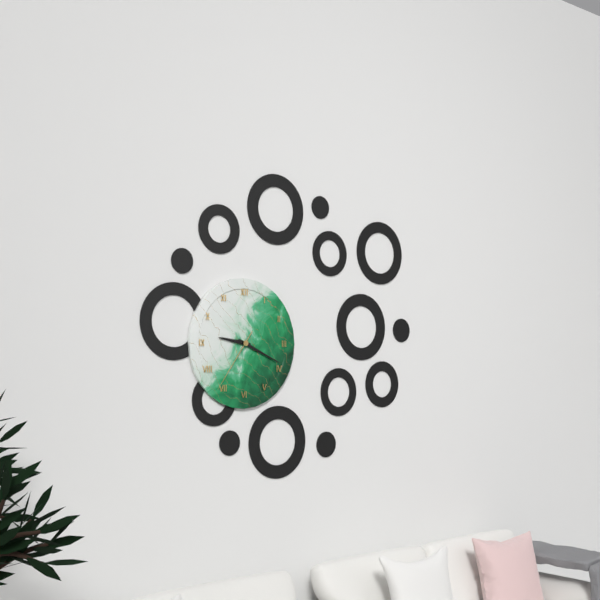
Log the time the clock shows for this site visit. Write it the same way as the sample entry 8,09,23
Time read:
9,19,36
